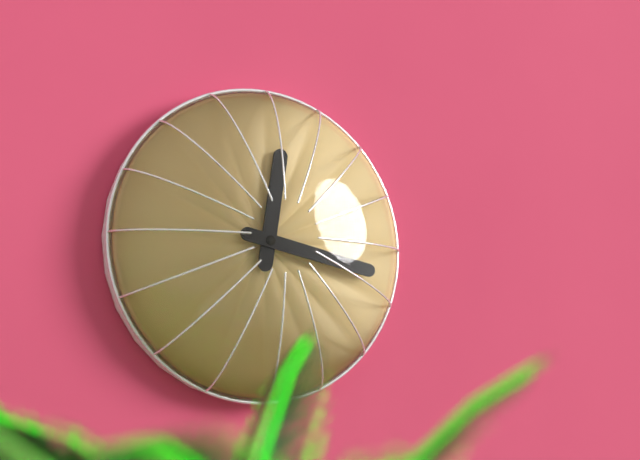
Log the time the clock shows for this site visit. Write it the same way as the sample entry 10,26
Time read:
12,17
